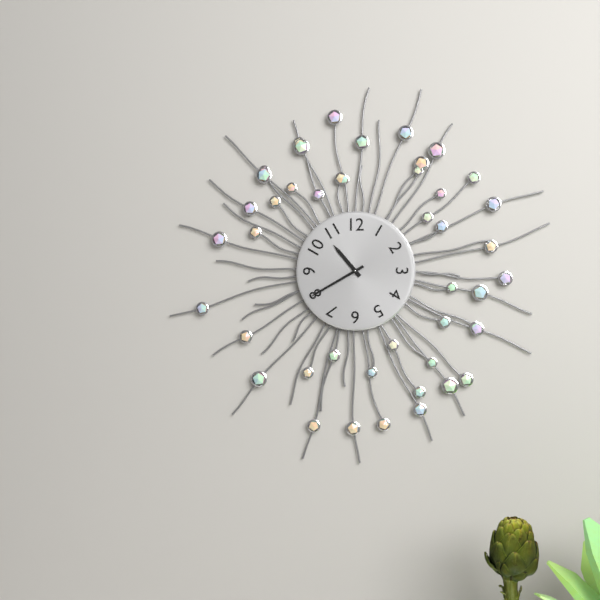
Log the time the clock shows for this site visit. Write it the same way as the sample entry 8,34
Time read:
10,40
